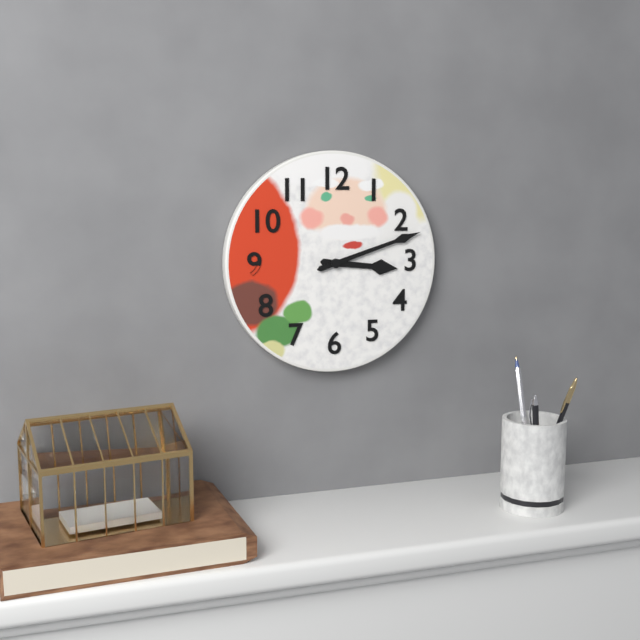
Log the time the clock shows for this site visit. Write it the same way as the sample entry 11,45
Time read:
3,12
